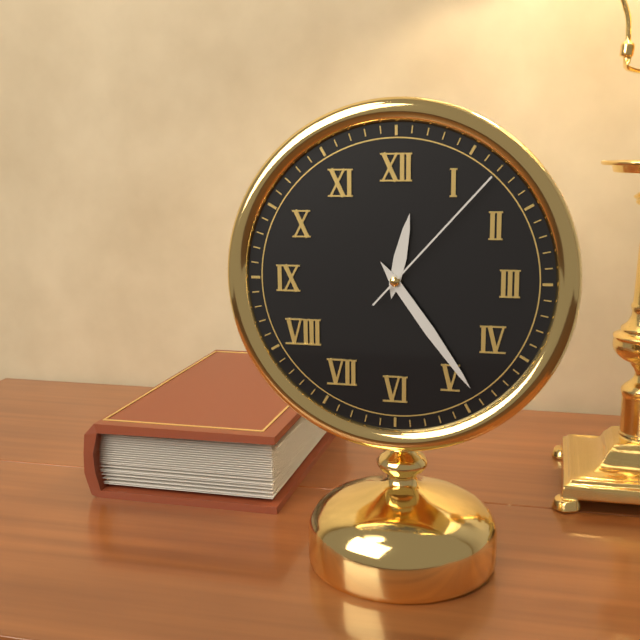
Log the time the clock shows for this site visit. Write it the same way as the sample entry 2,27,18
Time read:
12,24,07
